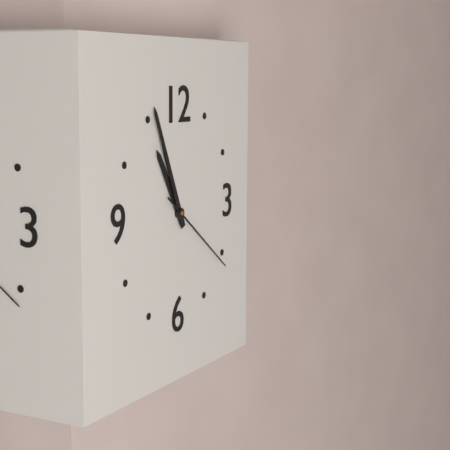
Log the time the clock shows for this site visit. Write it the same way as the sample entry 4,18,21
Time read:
10,56,21
